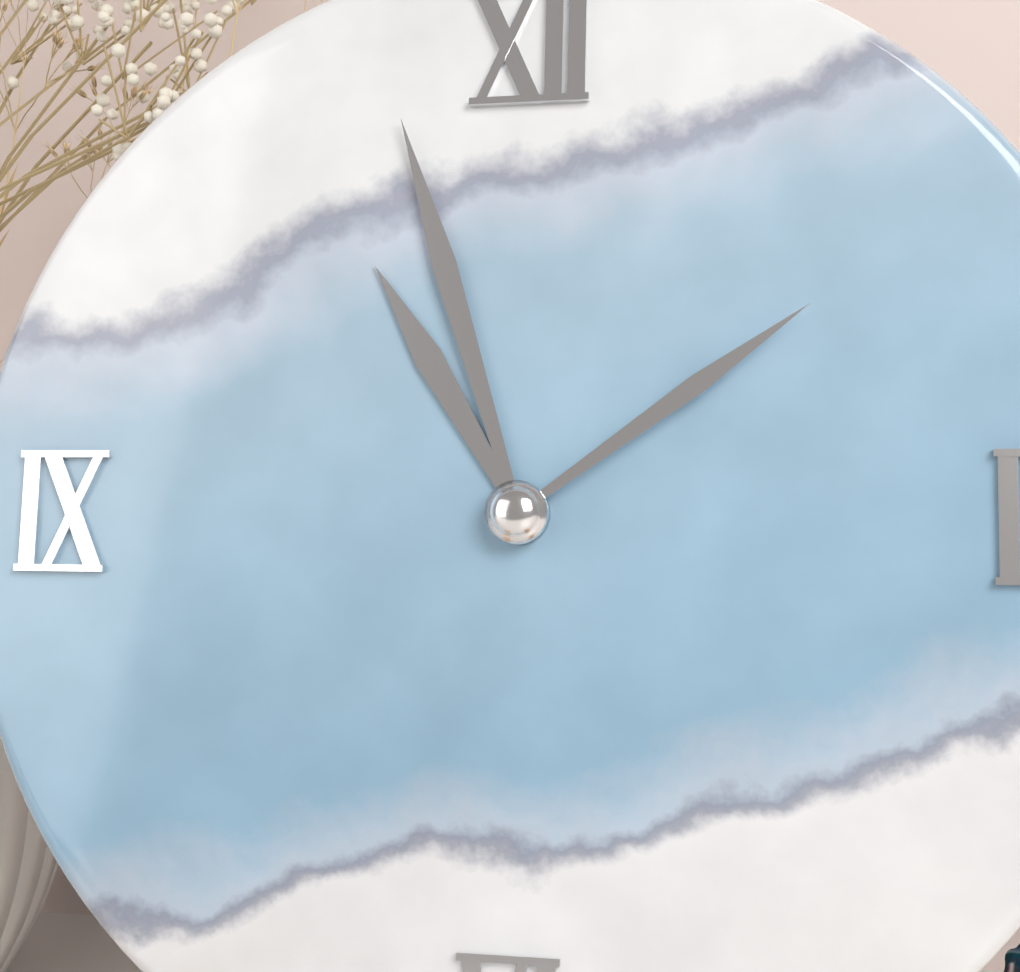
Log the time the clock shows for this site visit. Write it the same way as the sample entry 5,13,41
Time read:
10,57,09
